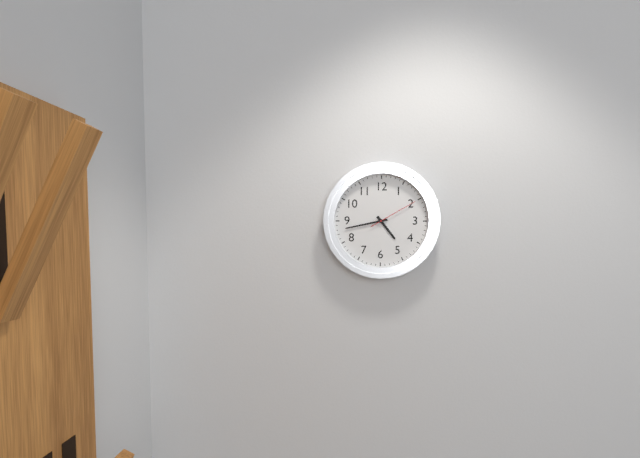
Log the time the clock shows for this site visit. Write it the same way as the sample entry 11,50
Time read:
4,43
